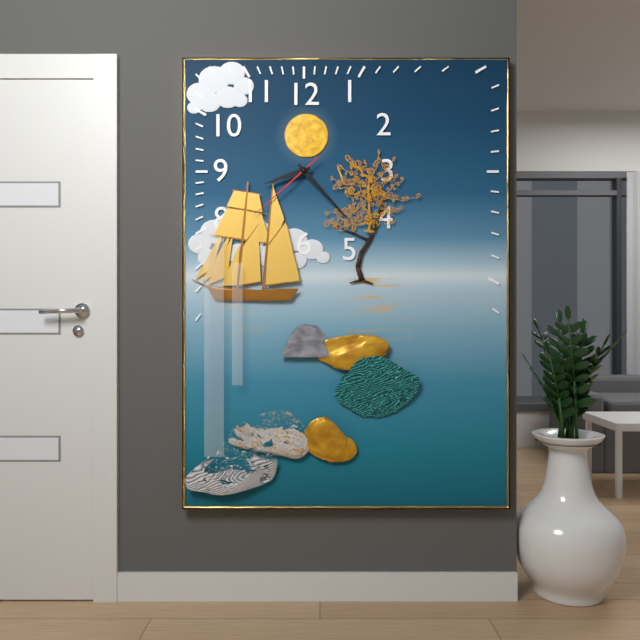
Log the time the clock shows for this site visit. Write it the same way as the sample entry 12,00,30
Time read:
8,23,38
